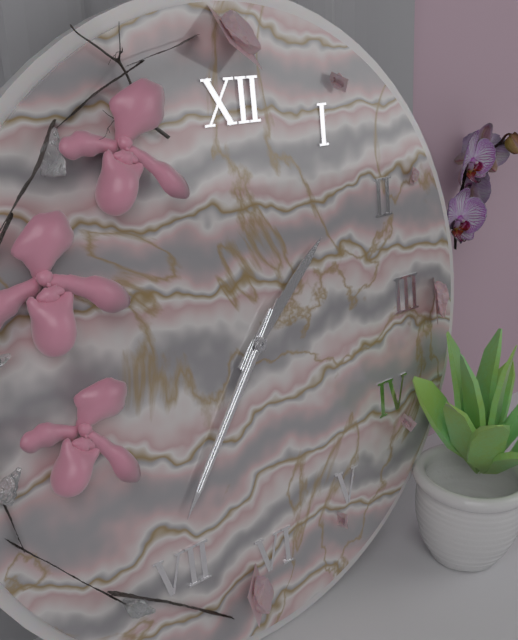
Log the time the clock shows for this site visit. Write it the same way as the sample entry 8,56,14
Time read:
1,36,36
